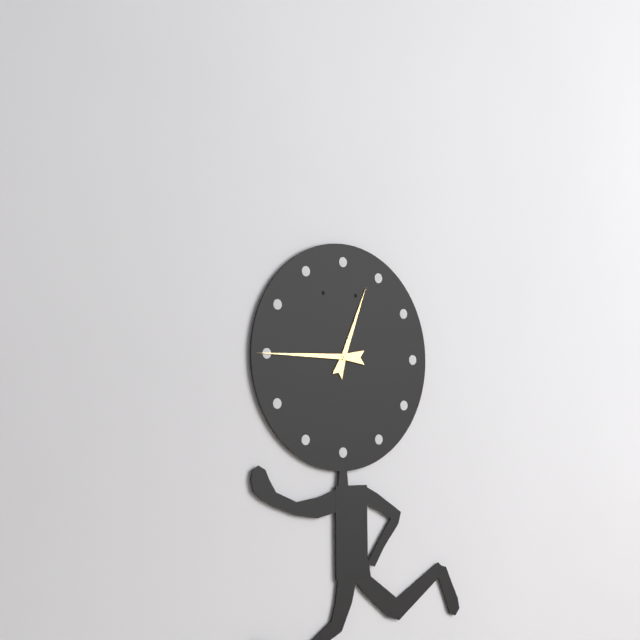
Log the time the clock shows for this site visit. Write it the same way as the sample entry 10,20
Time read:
12,45
